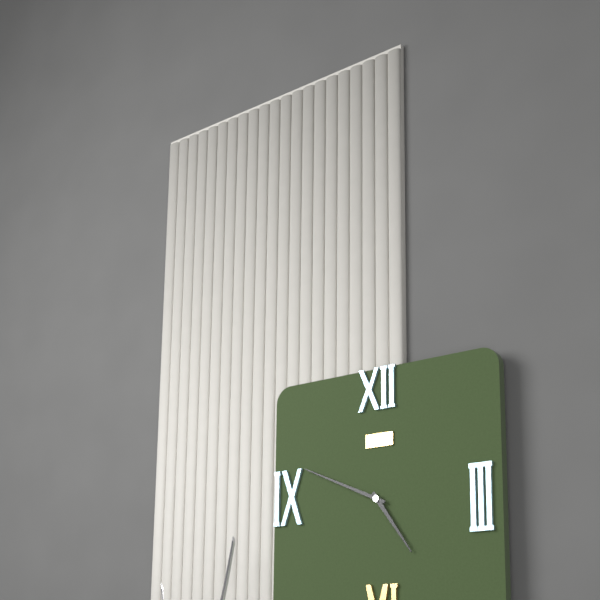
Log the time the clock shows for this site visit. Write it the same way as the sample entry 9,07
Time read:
4,49
